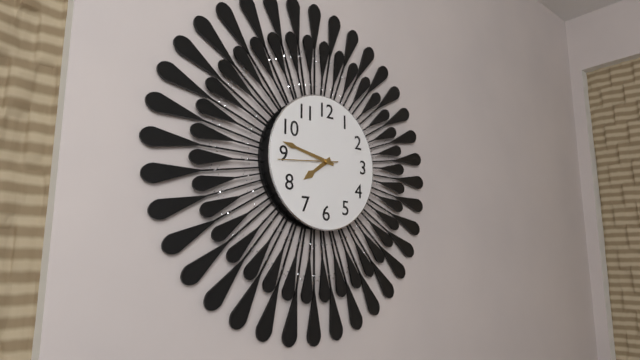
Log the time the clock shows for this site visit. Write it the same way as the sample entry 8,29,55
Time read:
7,47,44
